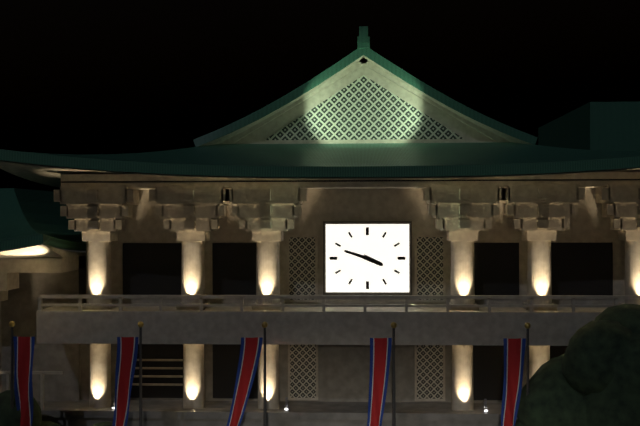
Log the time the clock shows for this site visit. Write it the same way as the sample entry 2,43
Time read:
3,48
